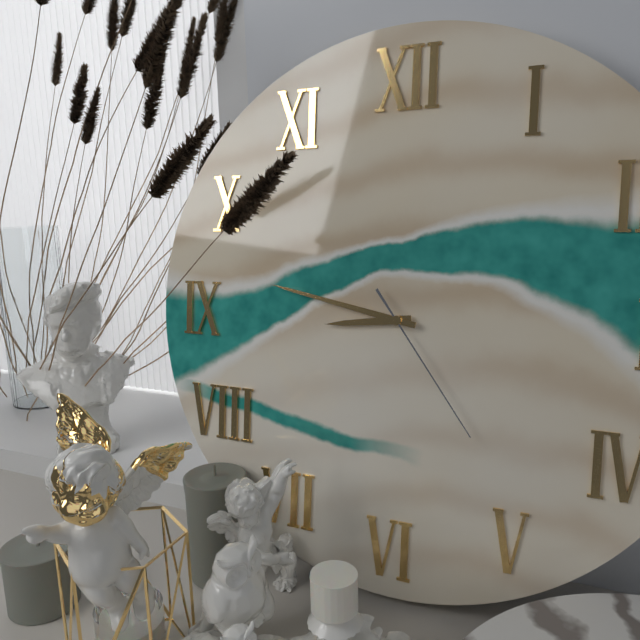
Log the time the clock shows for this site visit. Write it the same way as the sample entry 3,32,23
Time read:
8,47,24
